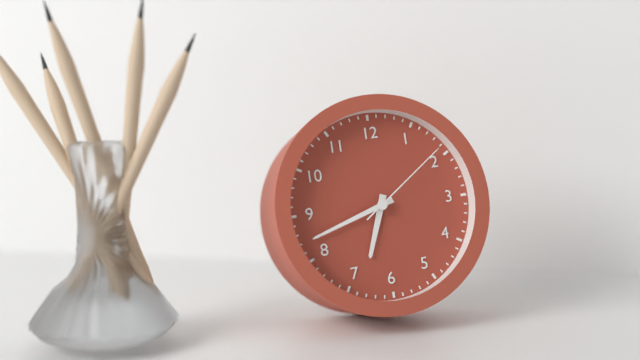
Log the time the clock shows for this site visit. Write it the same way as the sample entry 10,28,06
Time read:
6,42,09
